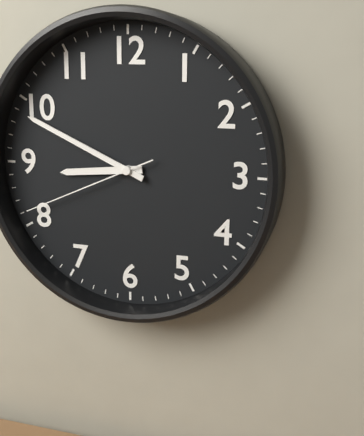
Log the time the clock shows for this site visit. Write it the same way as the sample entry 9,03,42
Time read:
8,49,41
